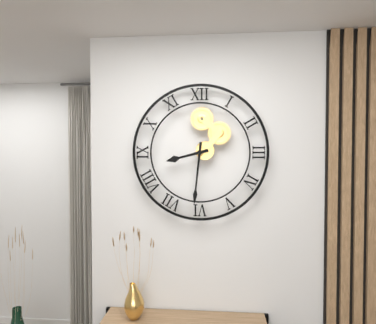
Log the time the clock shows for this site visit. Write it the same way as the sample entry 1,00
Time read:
8,31
